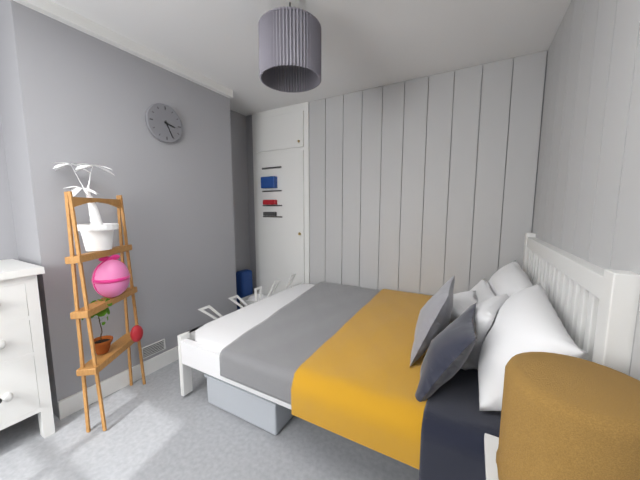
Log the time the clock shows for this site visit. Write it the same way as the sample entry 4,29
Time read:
3,26
